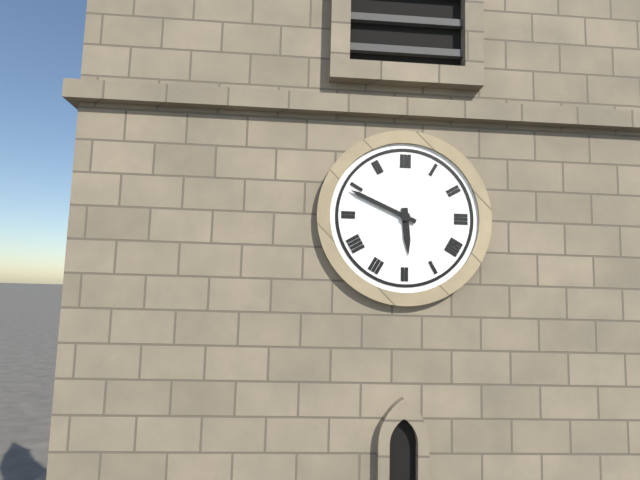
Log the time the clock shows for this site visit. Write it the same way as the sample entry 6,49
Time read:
5,49
